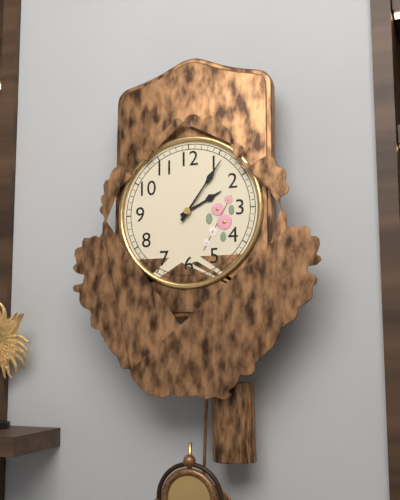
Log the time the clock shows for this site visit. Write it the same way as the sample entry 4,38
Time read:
2,06
